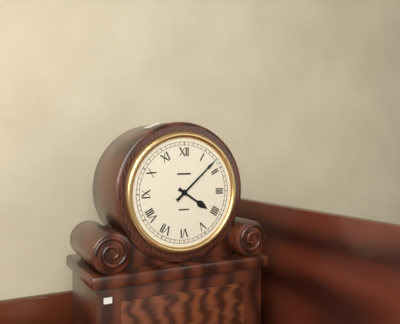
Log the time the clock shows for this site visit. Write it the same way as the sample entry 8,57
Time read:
4,08
